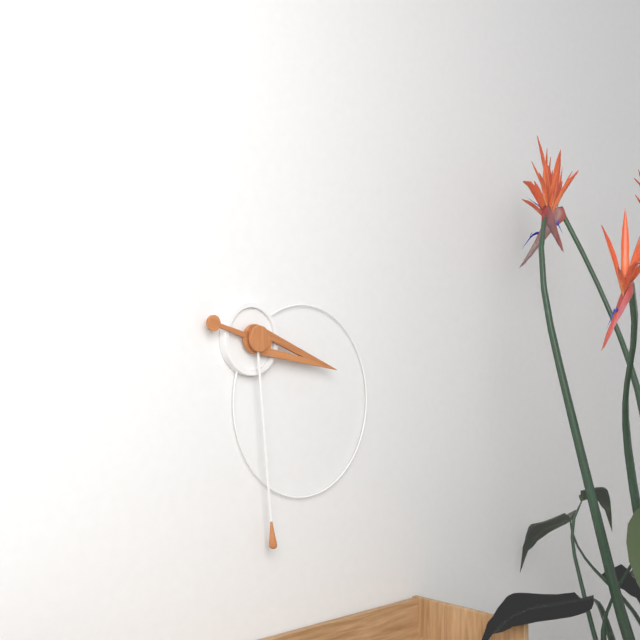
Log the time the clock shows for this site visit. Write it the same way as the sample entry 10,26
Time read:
3,29
